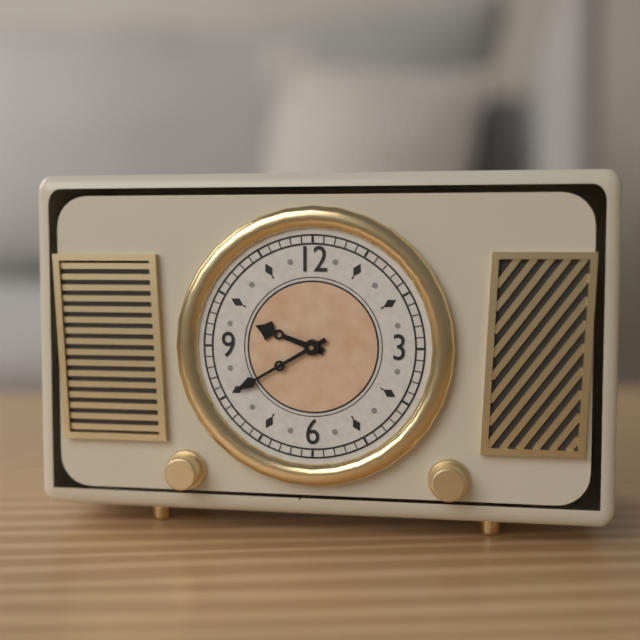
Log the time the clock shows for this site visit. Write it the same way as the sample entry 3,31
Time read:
9,40
